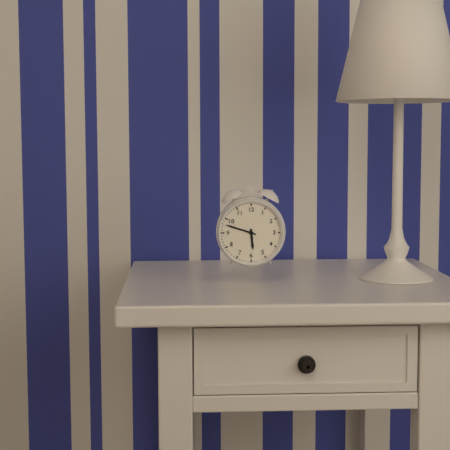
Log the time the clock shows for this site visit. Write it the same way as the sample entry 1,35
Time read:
5,48
